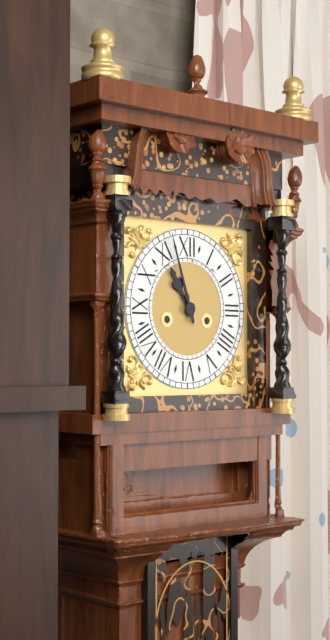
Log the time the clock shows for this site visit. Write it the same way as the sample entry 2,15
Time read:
10,57
